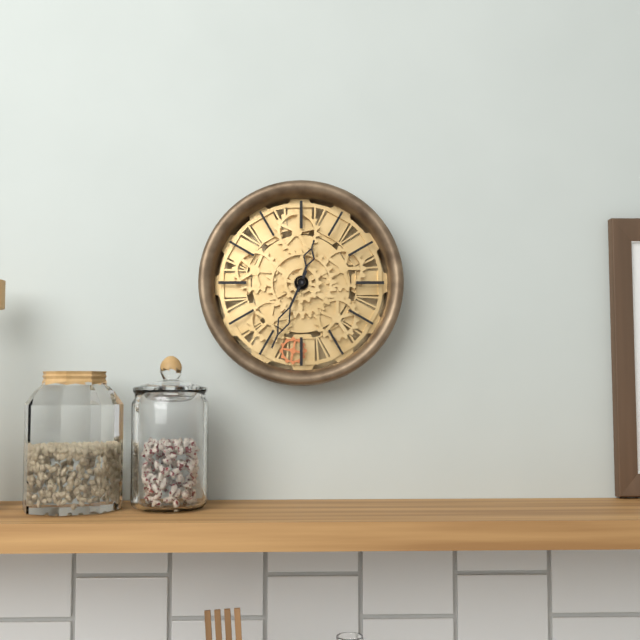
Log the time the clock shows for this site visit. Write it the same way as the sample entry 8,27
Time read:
12,34
